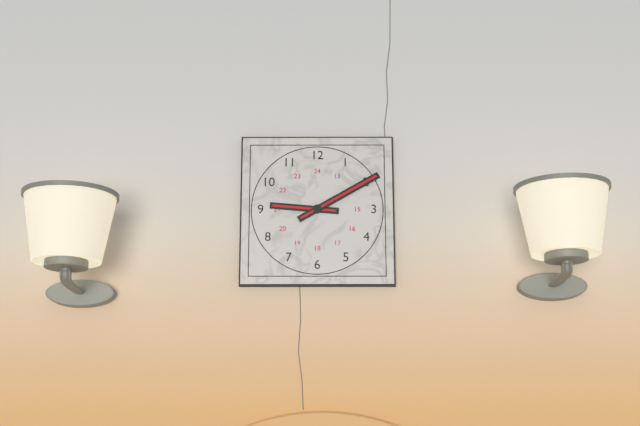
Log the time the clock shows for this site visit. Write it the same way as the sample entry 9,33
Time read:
9,10
